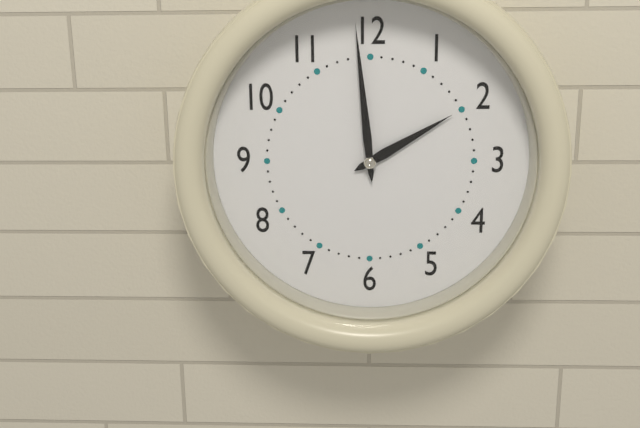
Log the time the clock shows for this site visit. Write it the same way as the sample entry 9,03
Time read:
1,59
